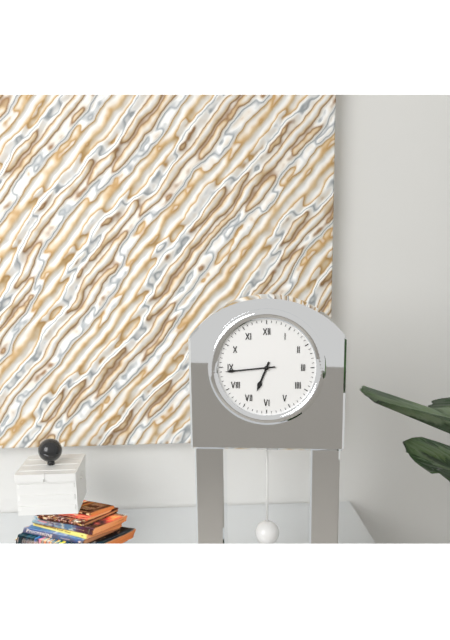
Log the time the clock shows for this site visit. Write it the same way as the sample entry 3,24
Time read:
6,44
